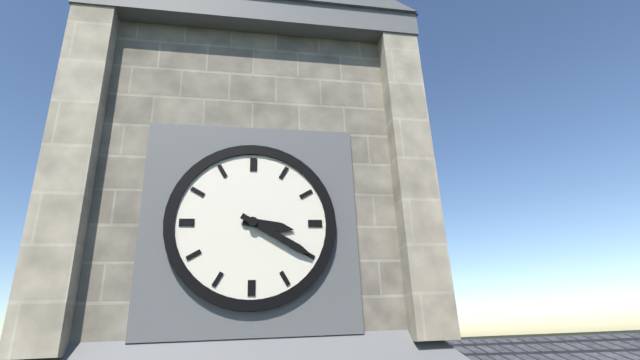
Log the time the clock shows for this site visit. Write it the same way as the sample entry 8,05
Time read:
3,20
